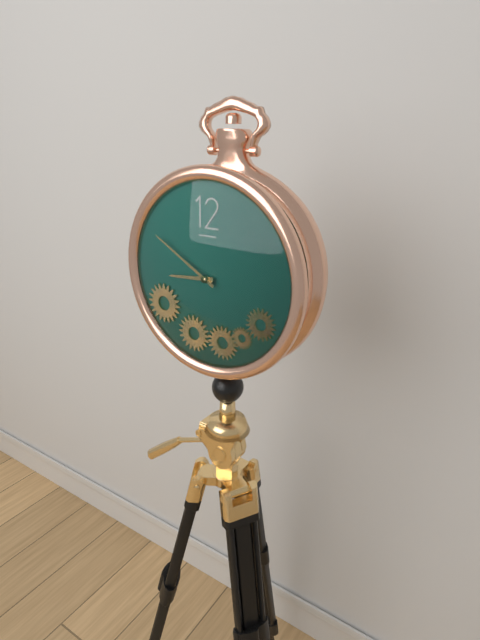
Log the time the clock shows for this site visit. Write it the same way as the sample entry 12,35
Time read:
8,50
